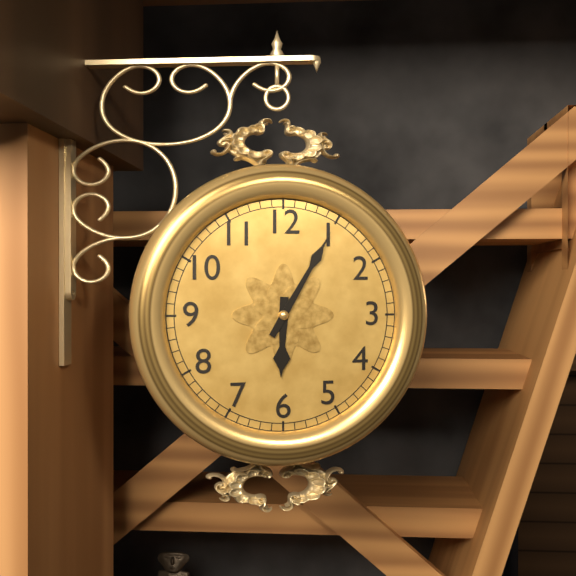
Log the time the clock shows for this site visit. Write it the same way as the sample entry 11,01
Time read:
6,05
